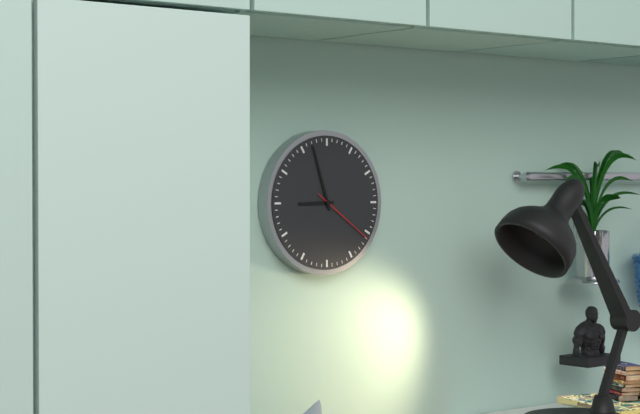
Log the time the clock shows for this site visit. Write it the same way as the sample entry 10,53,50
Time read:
8,57,21
